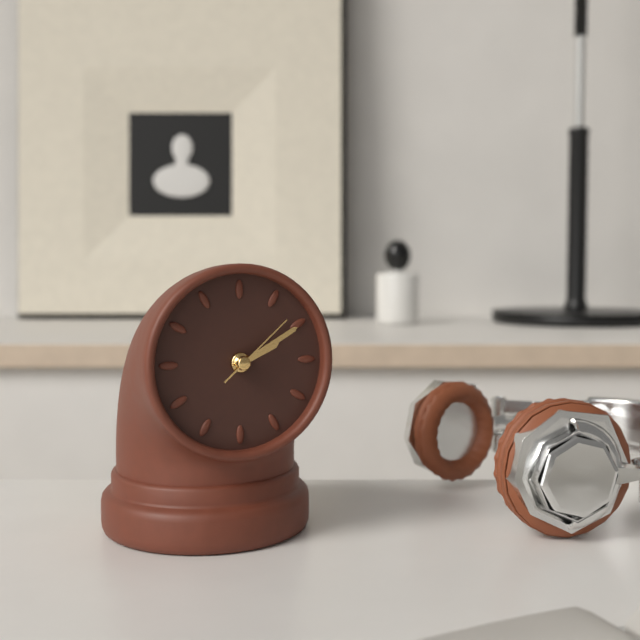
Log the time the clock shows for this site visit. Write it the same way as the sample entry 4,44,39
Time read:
2,10,08
